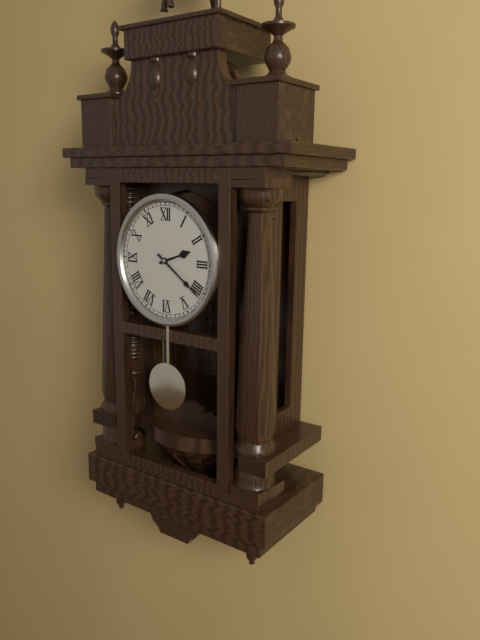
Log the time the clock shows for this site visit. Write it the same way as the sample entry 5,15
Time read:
2,21
